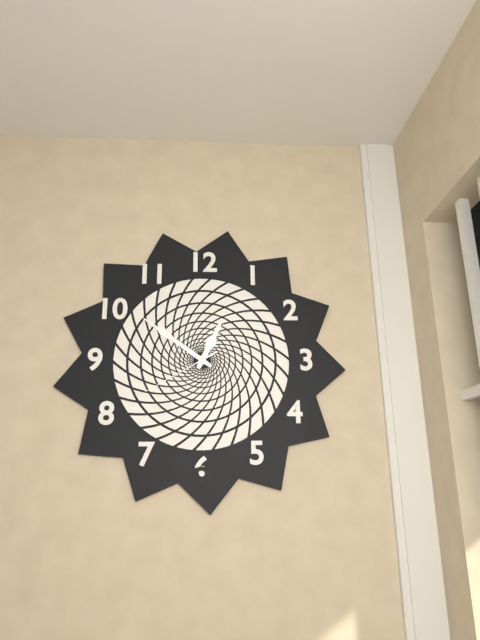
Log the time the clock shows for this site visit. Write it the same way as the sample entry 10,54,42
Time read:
12,51,40
